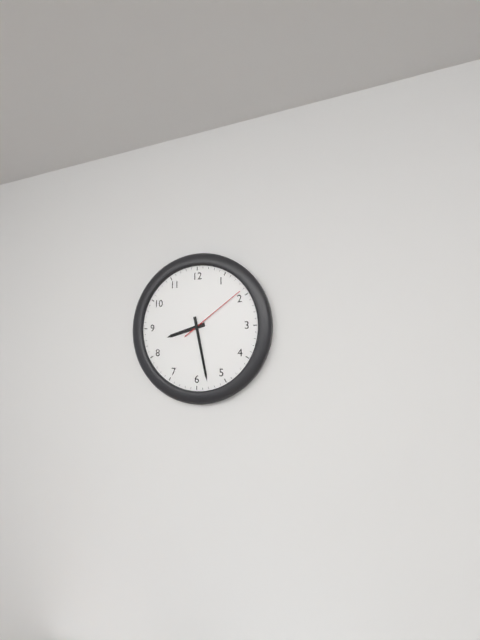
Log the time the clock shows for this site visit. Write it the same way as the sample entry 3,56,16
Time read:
8,28,09
